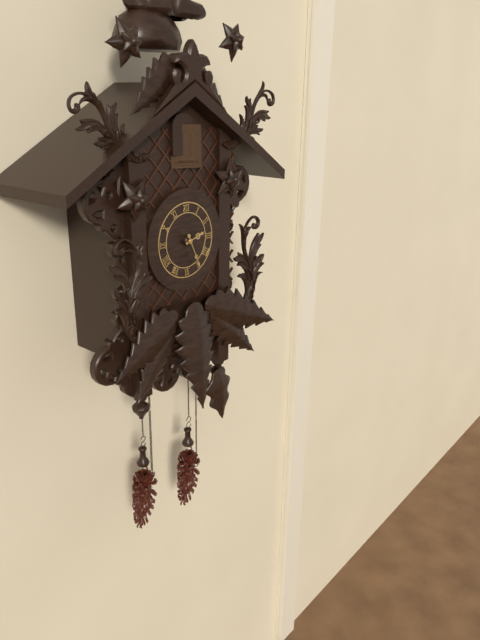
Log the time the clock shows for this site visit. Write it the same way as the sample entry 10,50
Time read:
2,26
